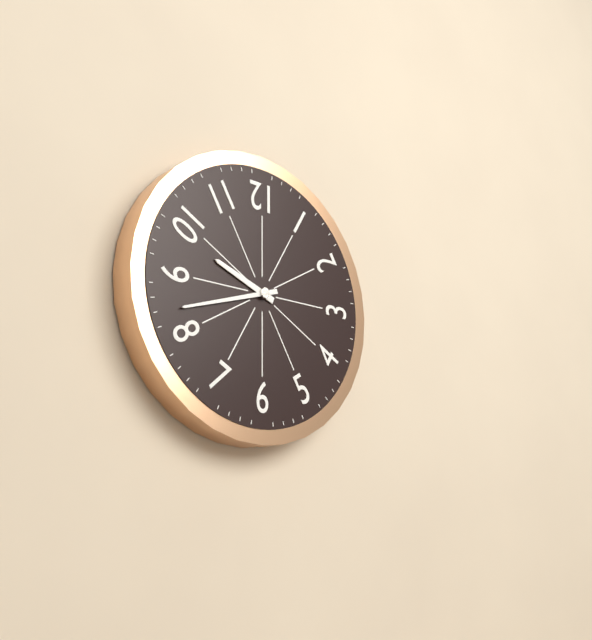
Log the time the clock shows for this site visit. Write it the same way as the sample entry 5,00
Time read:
9,42
